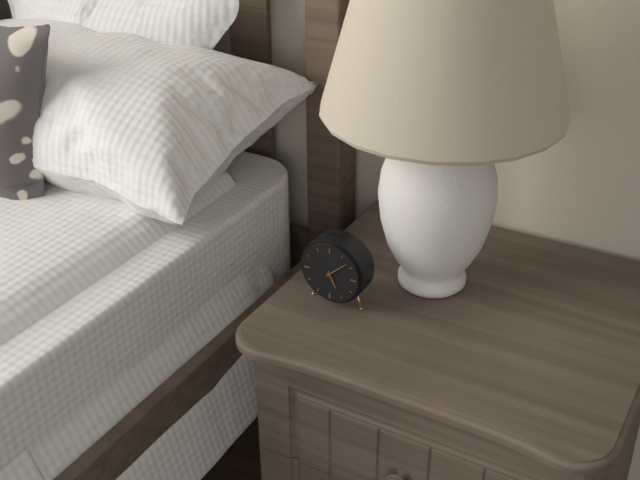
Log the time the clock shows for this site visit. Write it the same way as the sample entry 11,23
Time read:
5,08
